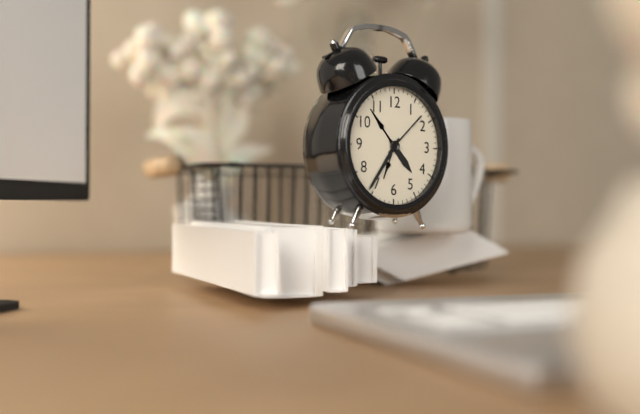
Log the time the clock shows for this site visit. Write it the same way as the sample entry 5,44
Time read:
4,36
